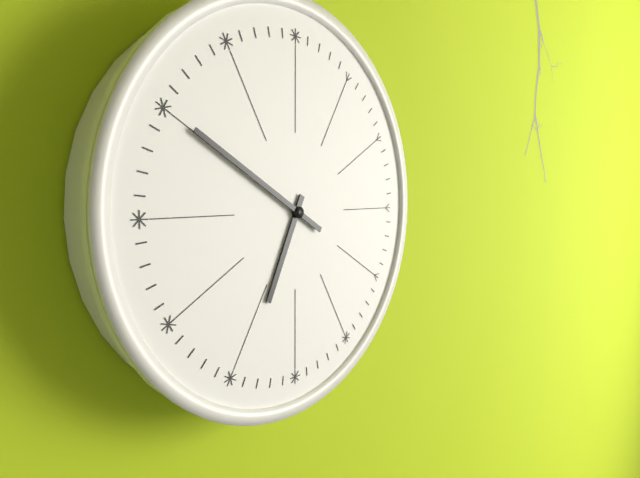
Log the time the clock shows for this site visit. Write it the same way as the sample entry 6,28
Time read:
6,50
